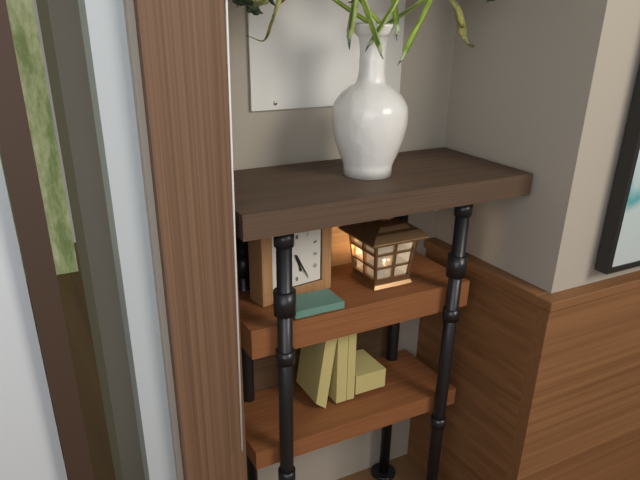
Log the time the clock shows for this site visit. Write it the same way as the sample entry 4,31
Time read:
5,25
